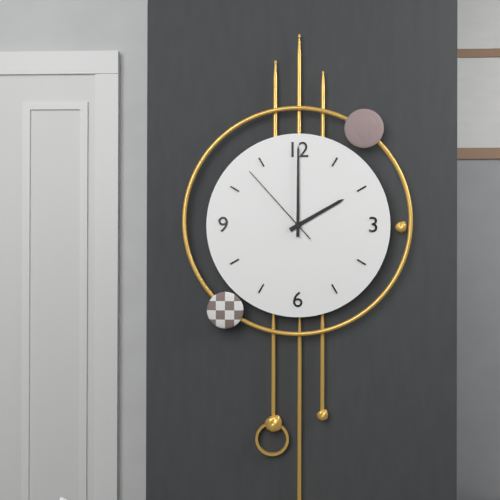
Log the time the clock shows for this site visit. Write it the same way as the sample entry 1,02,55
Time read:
2,00,53
